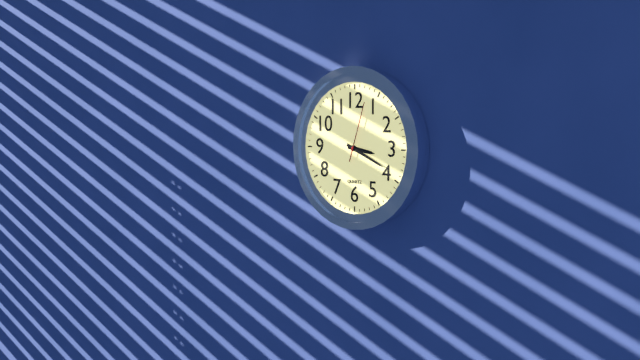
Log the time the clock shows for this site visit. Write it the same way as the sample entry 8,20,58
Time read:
3,19,03
